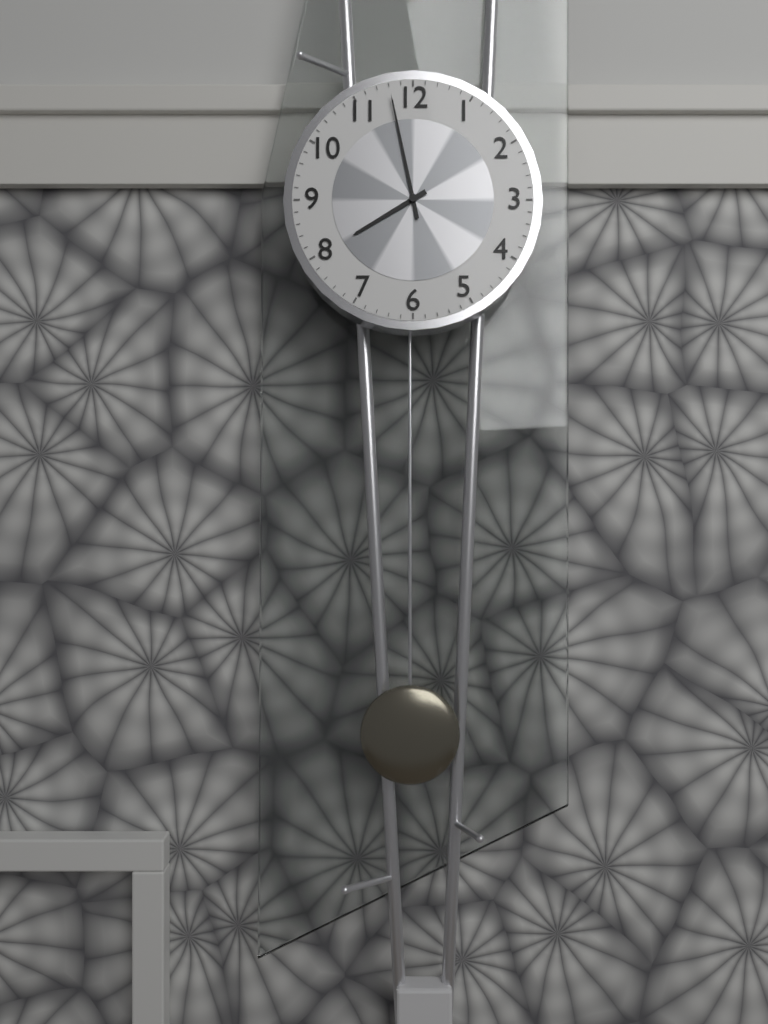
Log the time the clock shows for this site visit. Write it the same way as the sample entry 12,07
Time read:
7,58
